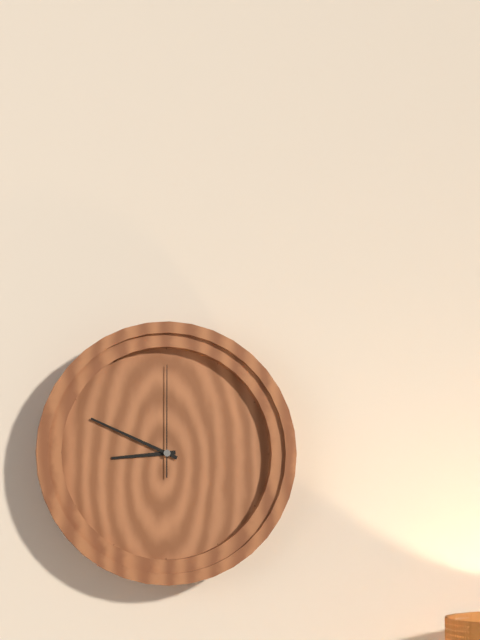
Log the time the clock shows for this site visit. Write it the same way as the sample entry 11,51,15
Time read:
8,49,00
